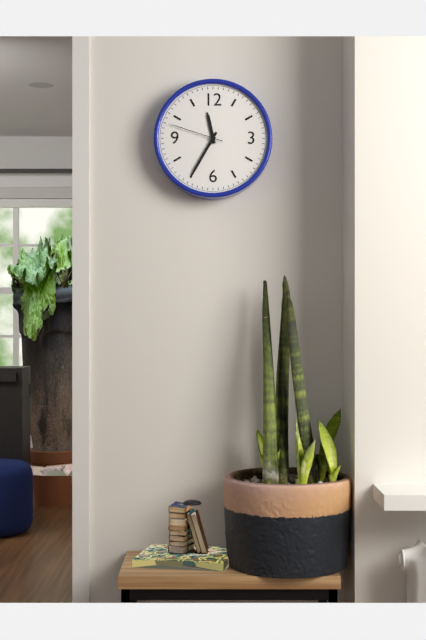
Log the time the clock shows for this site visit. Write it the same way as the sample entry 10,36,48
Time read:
11,35,48
